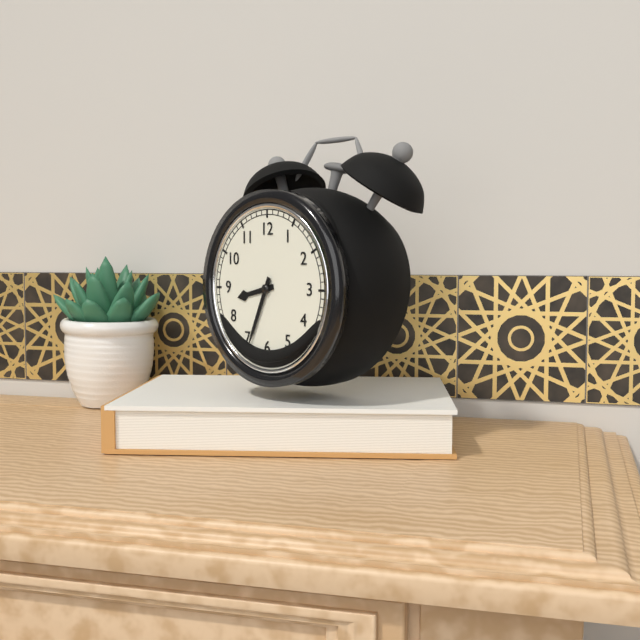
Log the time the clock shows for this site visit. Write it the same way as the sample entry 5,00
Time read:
8,34
